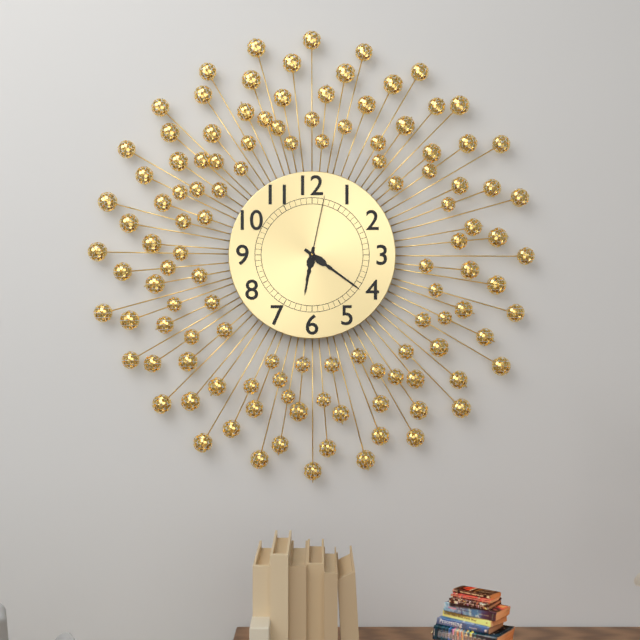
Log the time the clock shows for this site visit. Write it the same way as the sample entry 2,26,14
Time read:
6,21,02
